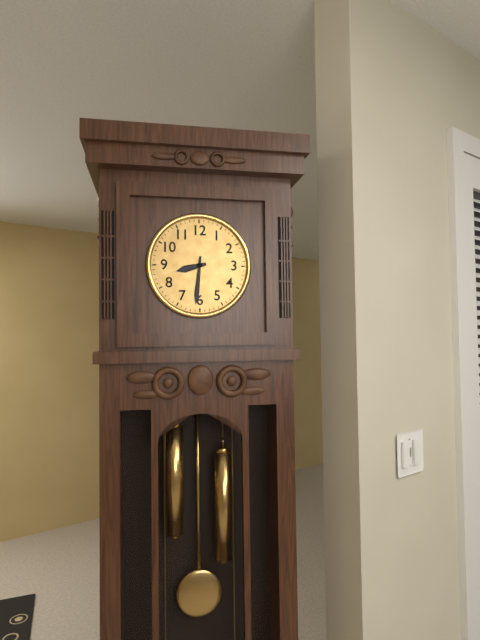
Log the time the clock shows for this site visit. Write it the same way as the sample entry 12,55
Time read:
8,31
